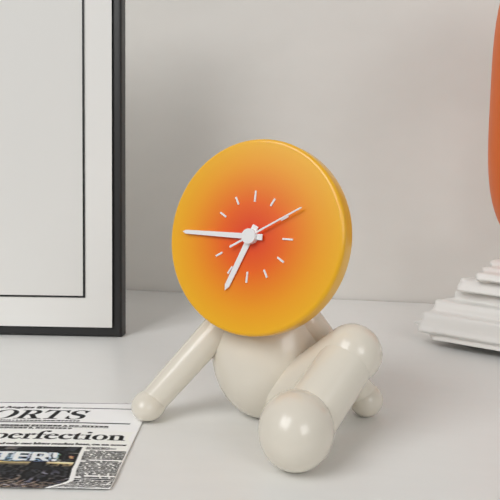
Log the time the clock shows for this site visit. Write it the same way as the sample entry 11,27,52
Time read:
6,45,10
